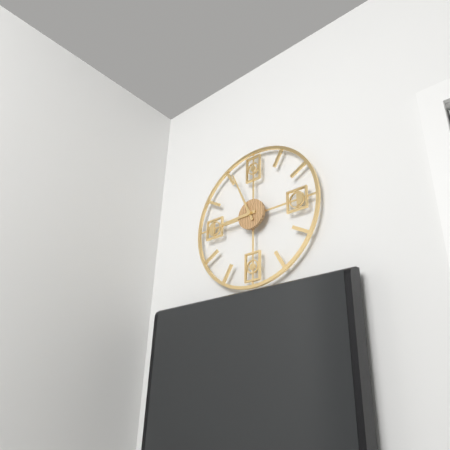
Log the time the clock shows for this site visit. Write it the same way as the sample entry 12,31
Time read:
8,56
